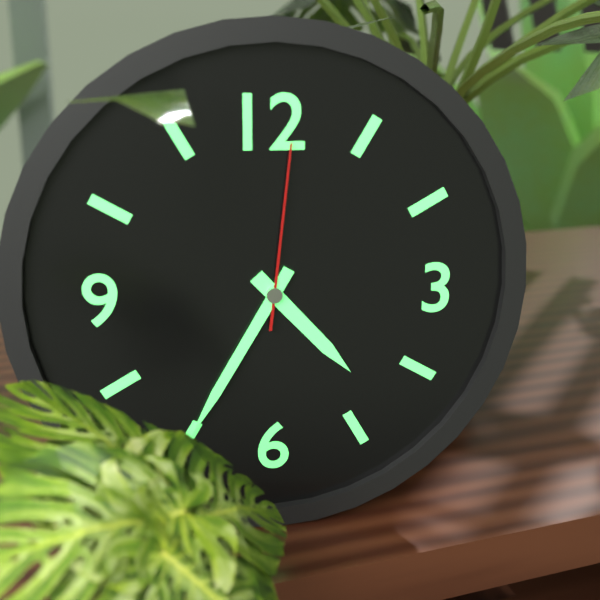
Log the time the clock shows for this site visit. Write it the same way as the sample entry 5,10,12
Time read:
4,35,01
